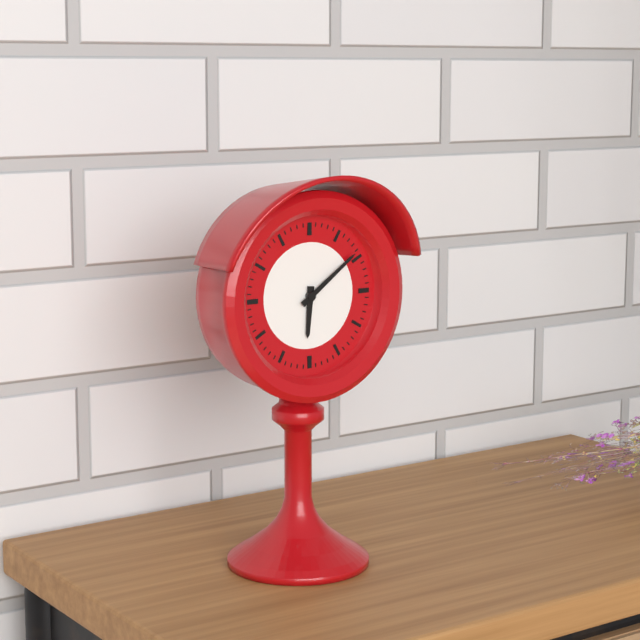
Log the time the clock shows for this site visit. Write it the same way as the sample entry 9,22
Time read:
6,09
